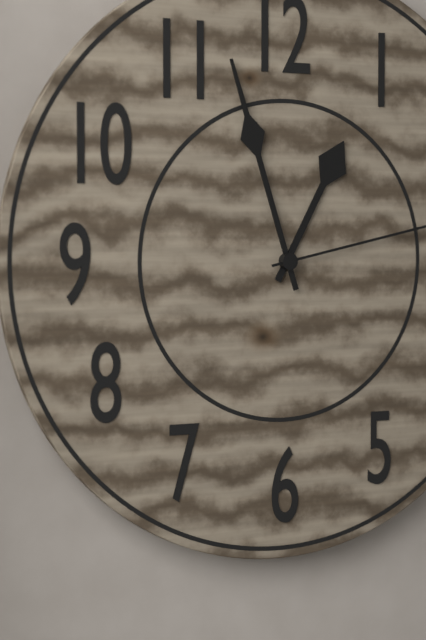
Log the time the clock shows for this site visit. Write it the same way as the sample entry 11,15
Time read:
12,57
